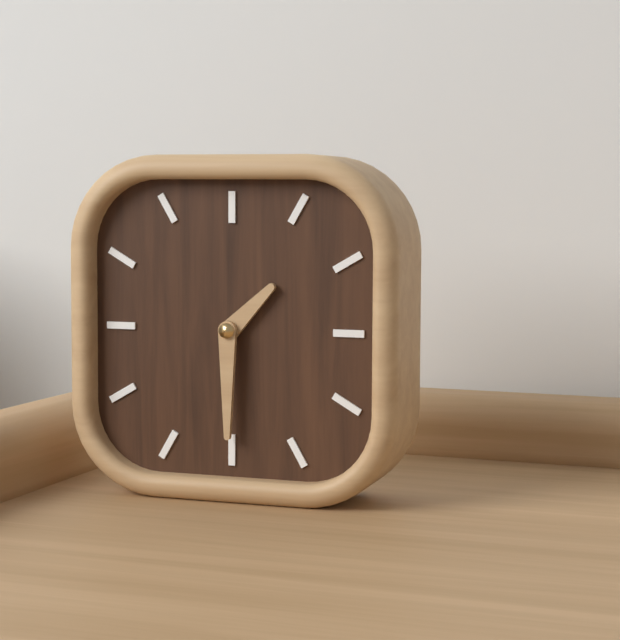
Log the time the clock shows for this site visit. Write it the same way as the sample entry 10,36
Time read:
1,30
